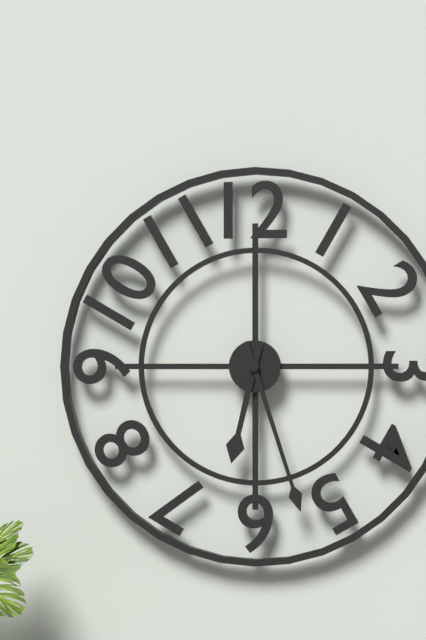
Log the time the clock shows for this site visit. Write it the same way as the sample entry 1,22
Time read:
6,27
